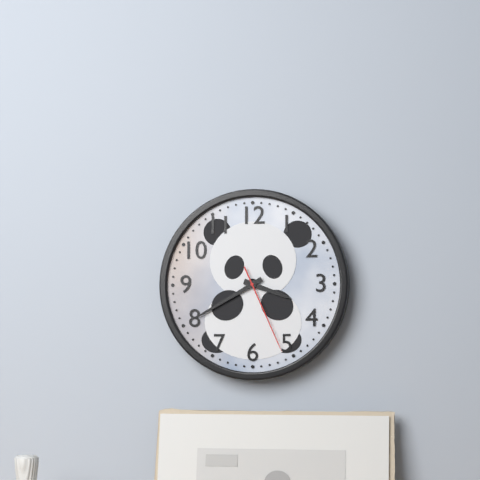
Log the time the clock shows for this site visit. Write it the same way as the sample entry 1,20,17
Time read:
3,40,26
